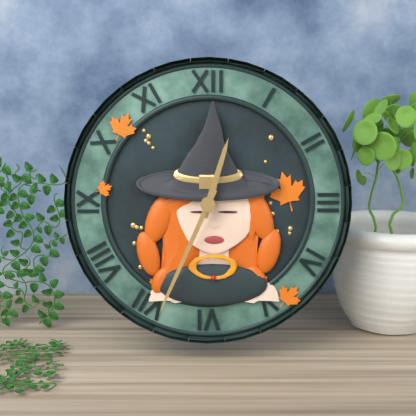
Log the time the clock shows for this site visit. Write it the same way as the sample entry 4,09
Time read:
12,34
